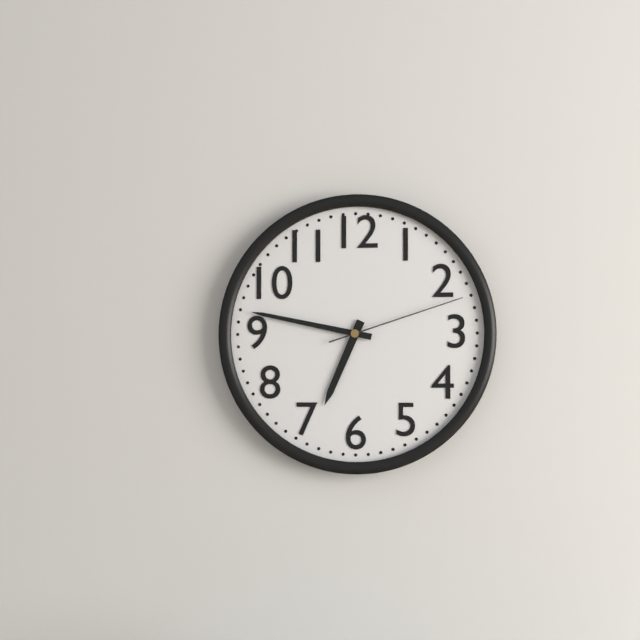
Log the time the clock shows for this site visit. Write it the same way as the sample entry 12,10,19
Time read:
6,47,12
